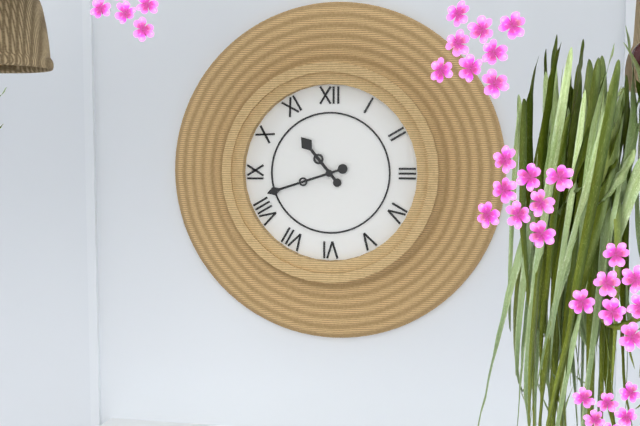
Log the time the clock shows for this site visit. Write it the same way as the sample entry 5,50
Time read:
10,42
